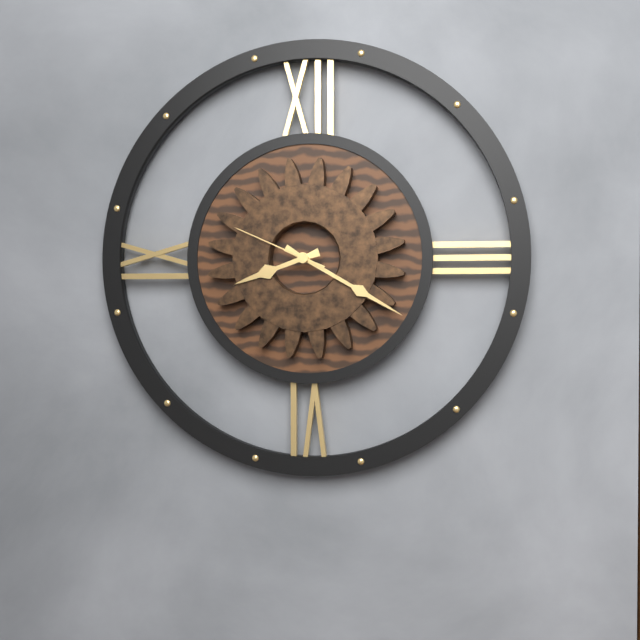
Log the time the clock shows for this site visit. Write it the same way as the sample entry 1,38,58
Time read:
8,20,49
